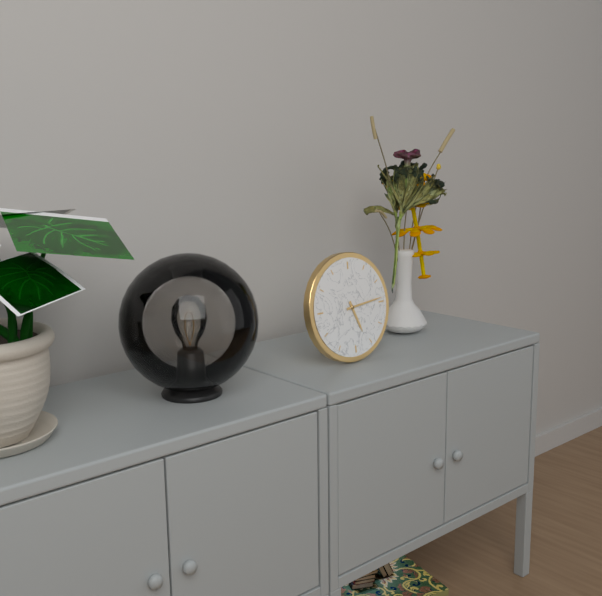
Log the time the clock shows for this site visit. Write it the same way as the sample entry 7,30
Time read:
5,14
